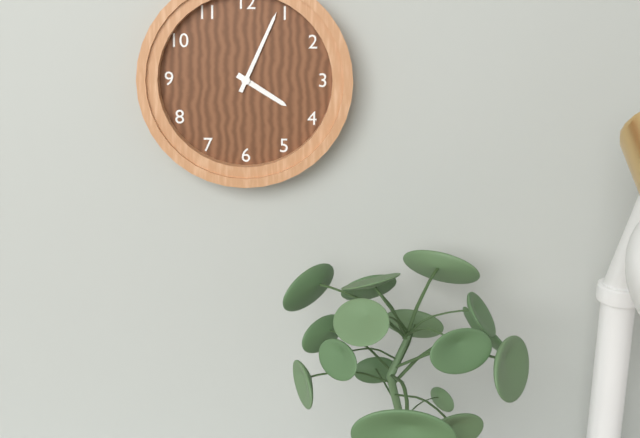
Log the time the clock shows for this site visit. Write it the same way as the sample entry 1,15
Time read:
4,04
